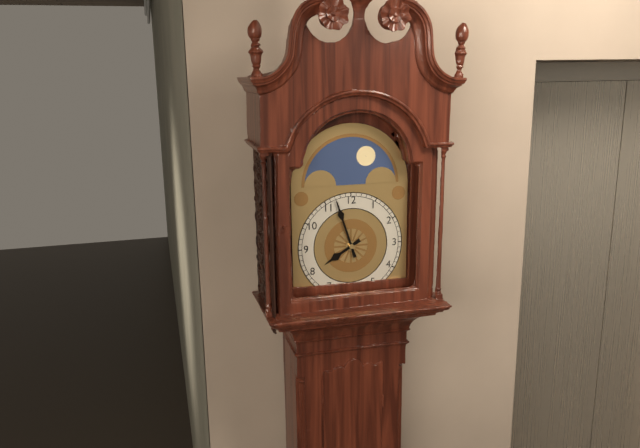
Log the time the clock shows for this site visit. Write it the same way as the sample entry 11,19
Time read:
7,57
